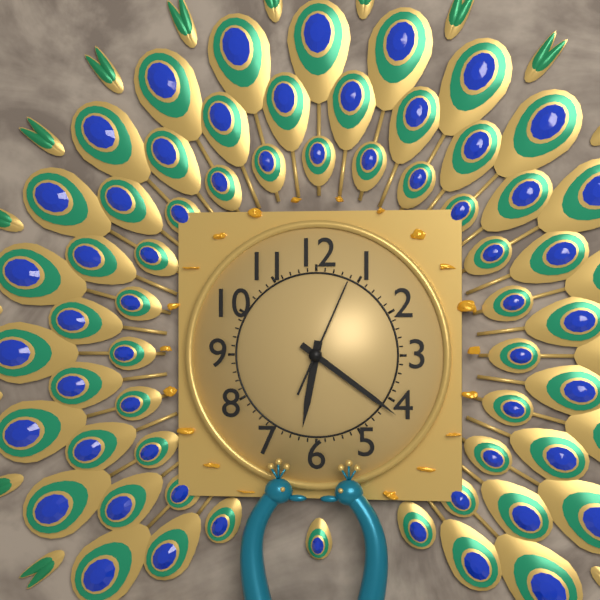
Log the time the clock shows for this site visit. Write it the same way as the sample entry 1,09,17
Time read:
6,21,04
